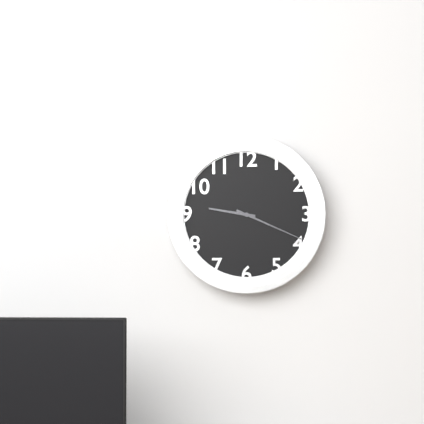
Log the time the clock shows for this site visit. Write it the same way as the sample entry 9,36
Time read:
9,19
